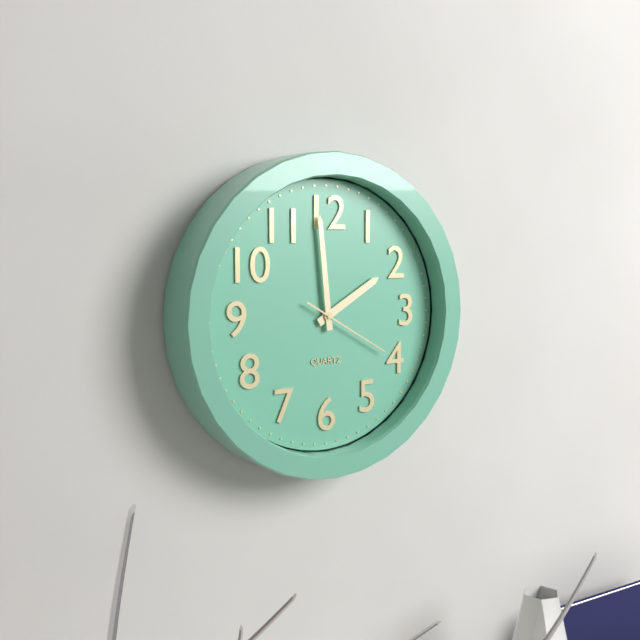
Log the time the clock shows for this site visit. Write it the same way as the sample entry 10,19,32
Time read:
1,59,20
